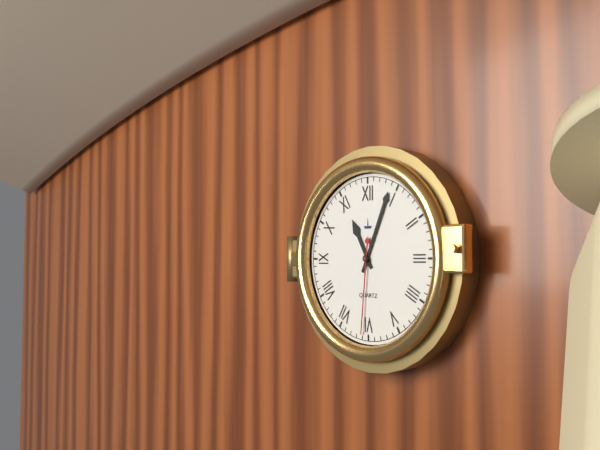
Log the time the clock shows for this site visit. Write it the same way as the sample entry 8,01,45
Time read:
11,04,31
